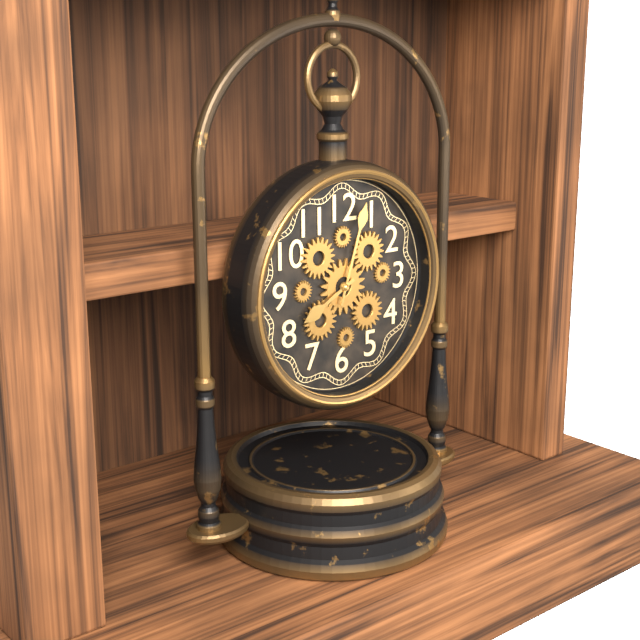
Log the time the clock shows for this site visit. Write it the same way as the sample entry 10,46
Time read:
8,03
